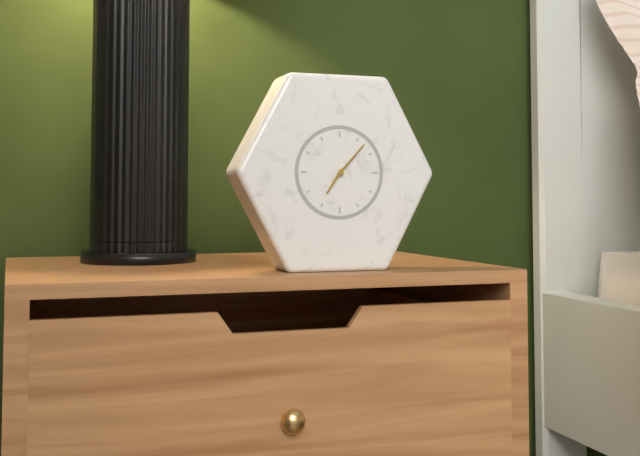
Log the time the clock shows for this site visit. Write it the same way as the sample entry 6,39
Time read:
7,07
